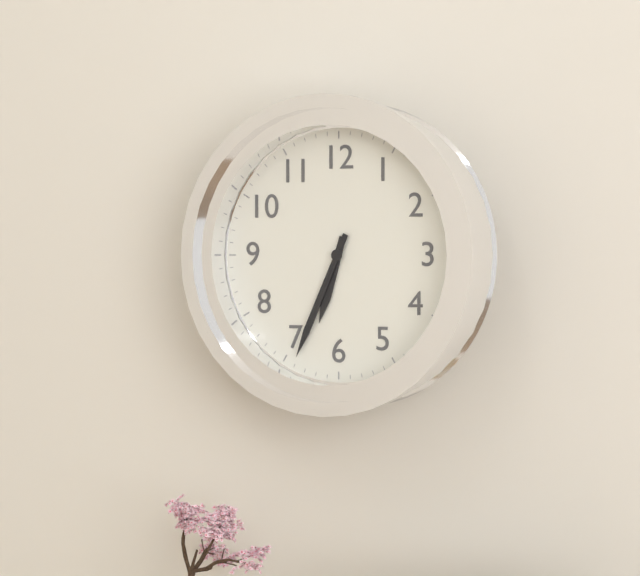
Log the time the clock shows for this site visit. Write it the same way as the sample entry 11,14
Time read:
6,34
